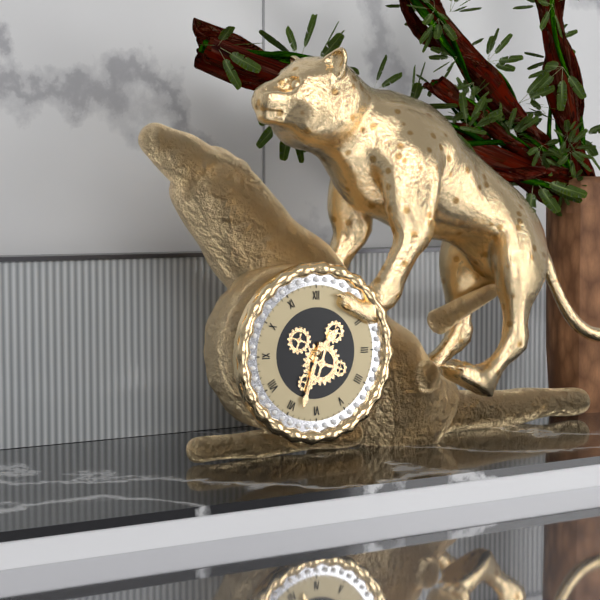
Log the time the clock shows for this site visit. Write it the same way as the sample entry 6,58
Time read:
1,33
